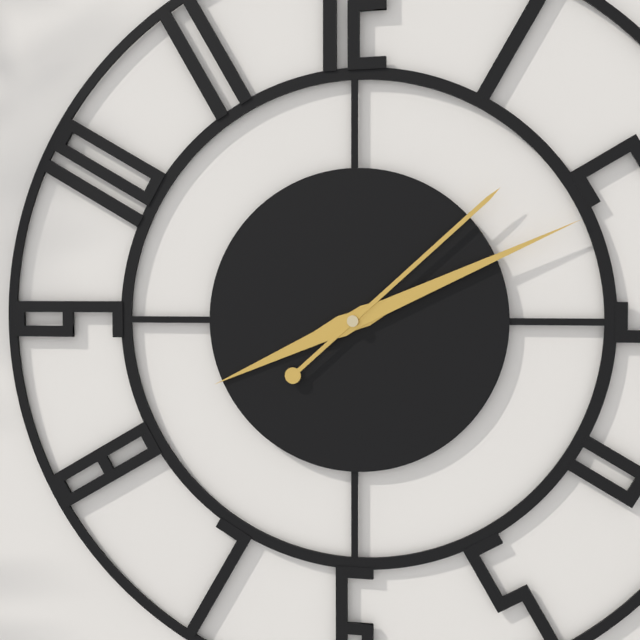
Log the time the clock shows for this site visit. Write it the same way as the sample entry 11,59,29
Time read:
8,11,08
